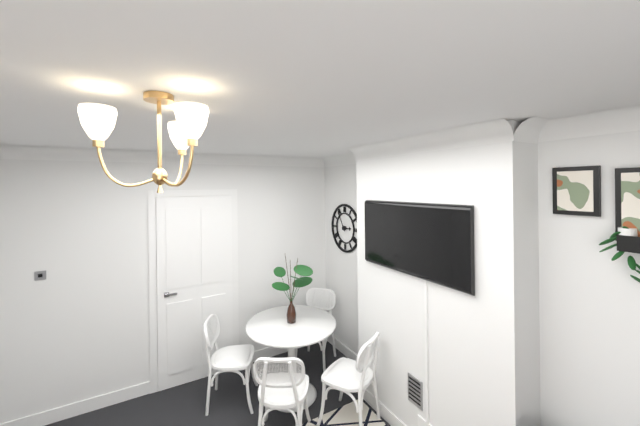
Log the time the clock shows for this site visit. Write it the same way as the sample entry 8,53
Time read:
2,55
